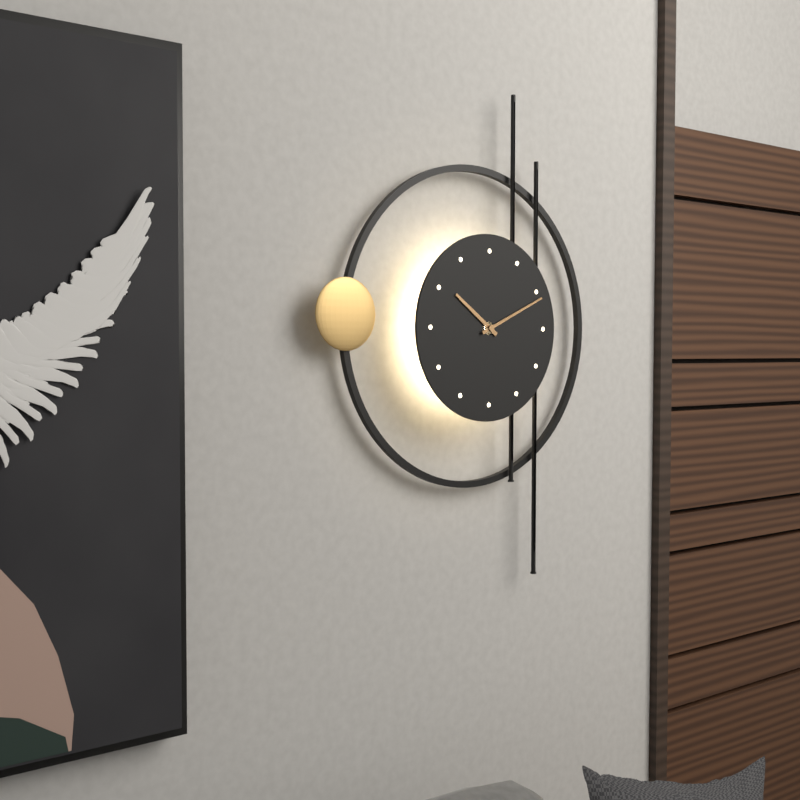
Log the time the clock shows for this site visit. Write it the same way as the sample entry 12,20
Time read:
10,11
